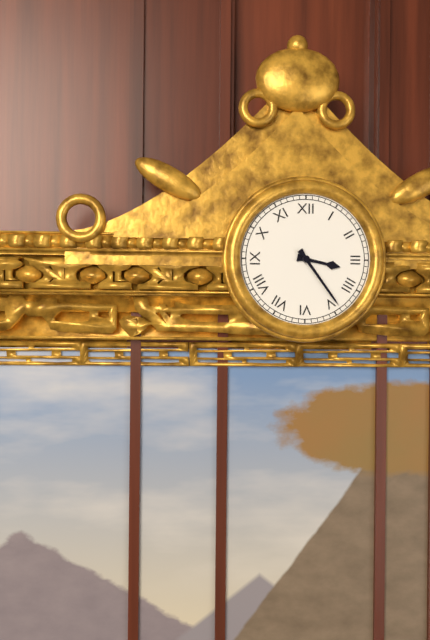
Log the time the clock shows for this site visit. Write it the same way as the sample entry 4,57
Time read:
3,24
